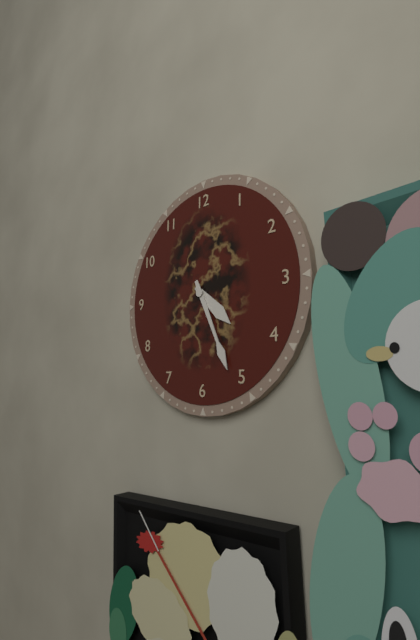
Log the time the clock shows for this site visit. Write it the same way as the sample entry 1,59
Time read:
4,26
